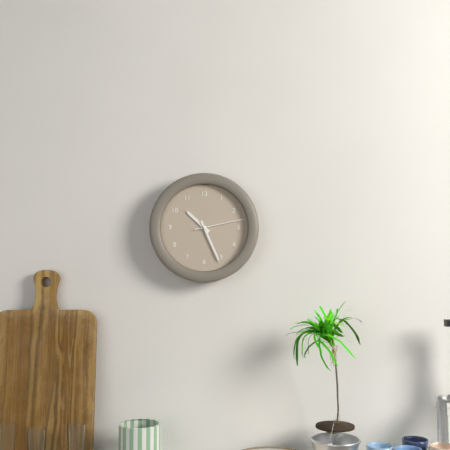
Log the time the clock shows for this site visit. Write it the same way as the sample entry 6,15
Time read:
10,26
